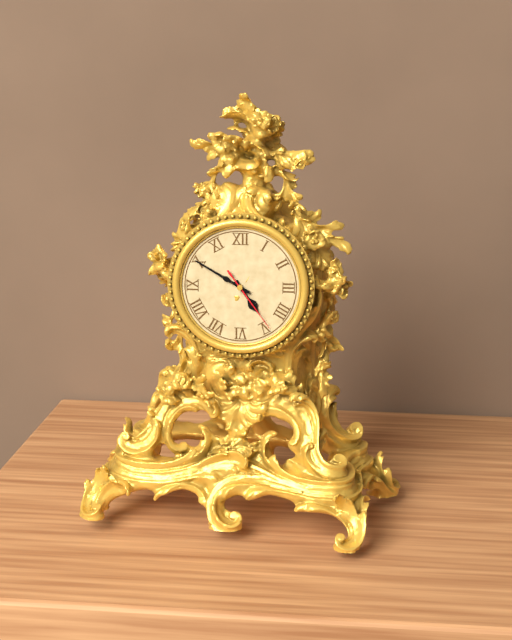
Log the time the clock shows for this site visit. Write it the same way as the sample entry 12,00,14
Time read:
4,50,24
